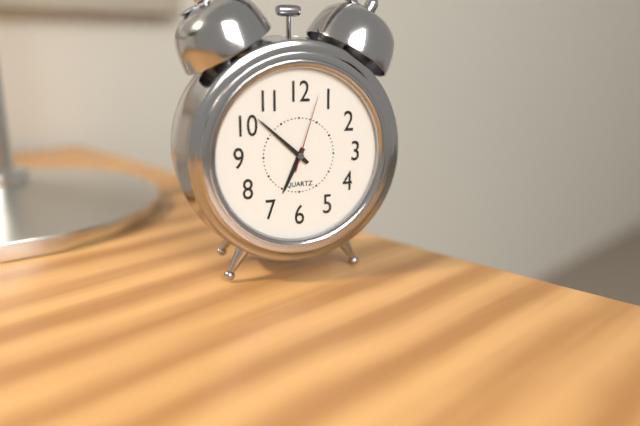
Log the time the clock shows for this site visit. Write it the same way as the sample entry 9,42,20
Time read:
6,52,03
